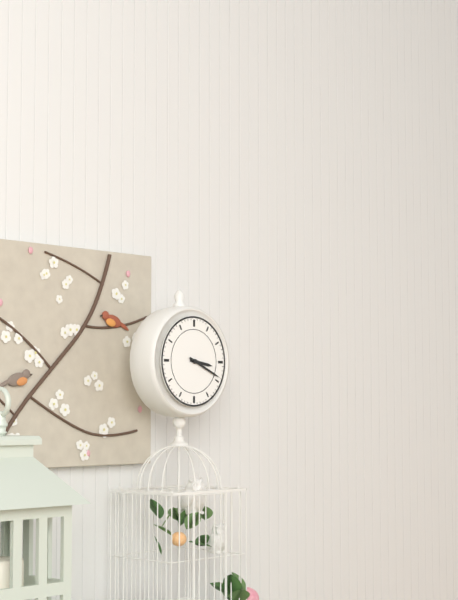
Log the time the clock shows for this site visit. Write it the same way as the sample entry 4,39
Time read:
3,19
